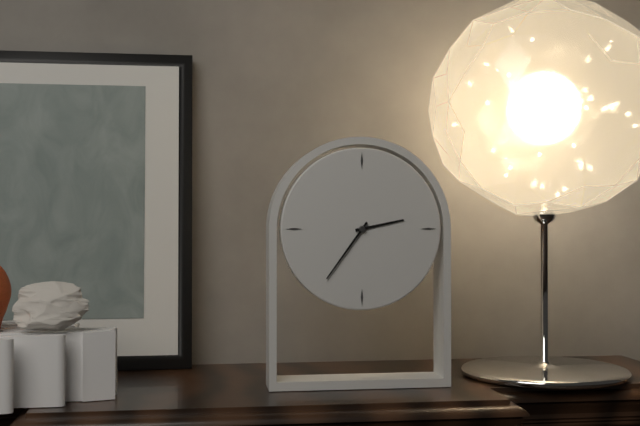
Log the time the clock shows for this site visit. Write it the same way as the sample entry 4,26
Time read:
2,36
